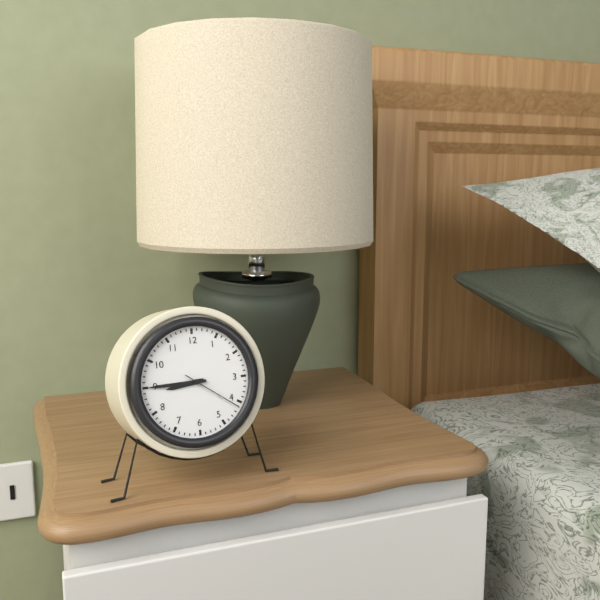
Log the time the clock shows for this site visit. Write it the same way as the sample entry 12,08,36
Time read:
8,45,21
